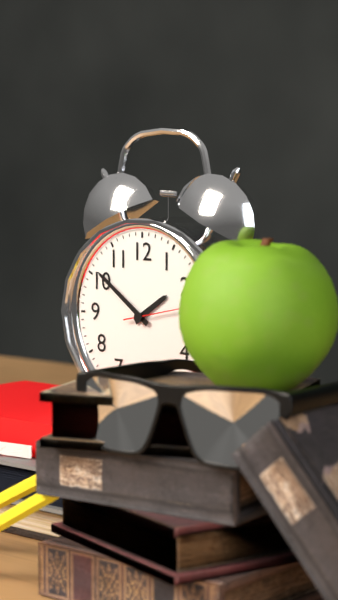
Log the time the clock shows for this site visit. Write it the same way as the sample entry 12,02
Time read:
1,51
